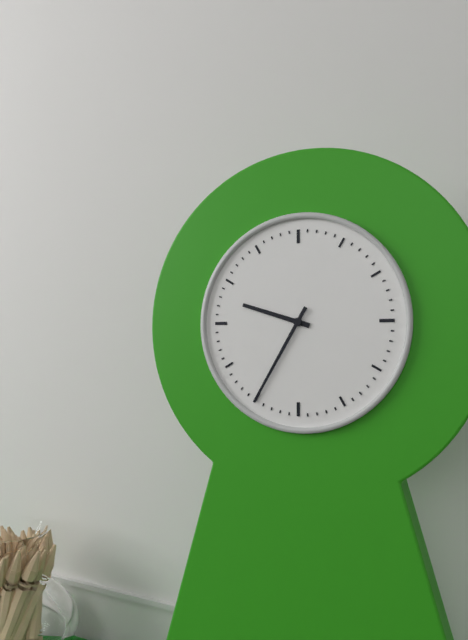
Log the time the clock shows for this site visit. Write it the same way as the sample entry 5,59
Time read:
9,35
